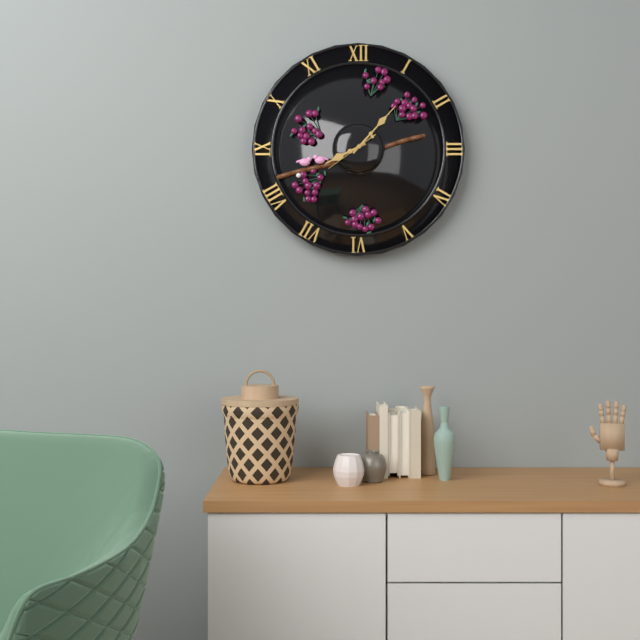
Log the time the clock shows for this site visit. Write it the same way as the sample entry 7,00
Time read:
8,07
